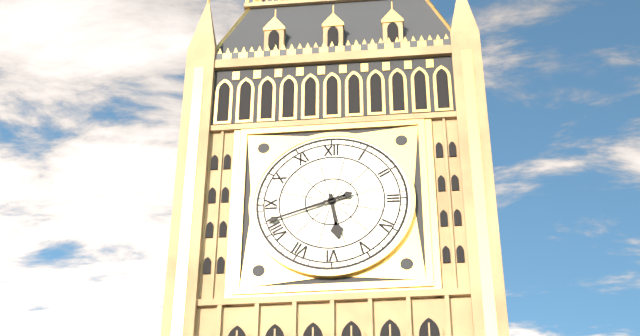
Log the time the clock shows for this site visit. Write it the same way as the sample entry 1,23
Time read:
5,42
